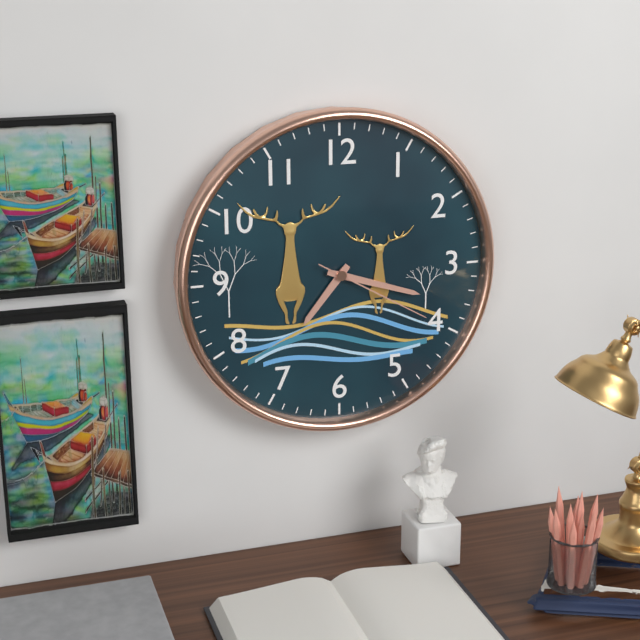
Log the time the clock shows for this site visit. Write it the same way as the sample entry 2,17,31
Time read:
7,18,20
